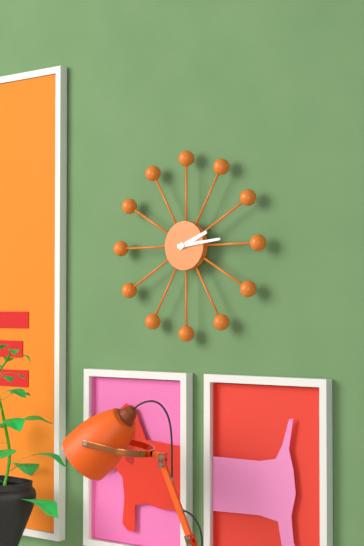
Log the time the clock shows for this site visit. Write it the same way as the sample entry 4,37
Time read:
2,14
